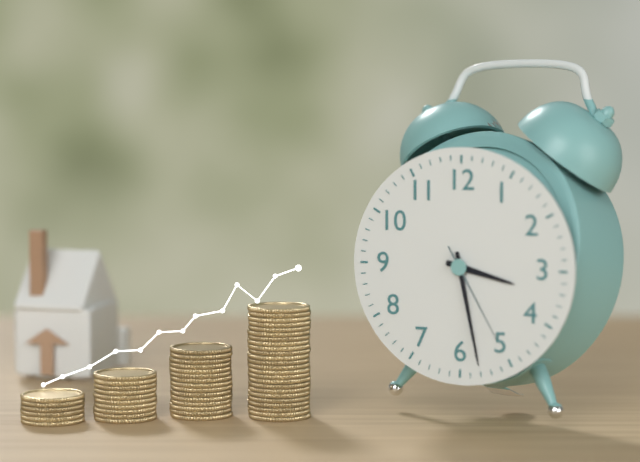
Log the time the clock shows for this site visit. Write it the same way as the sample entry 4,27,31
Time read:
3,28,25
